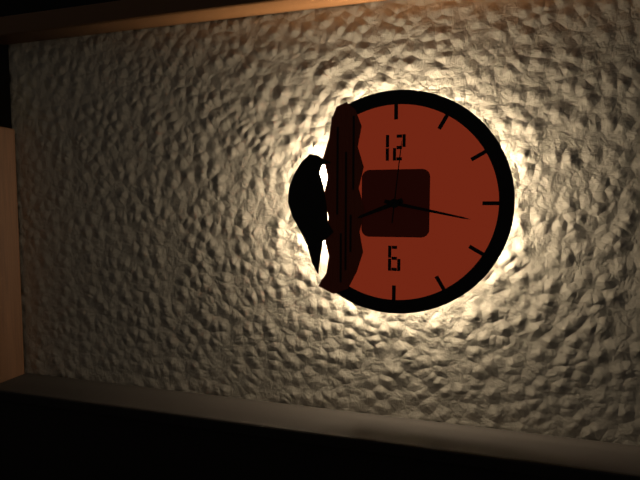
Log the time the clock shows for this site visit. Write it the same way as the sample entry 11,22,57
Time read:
8,17,01
